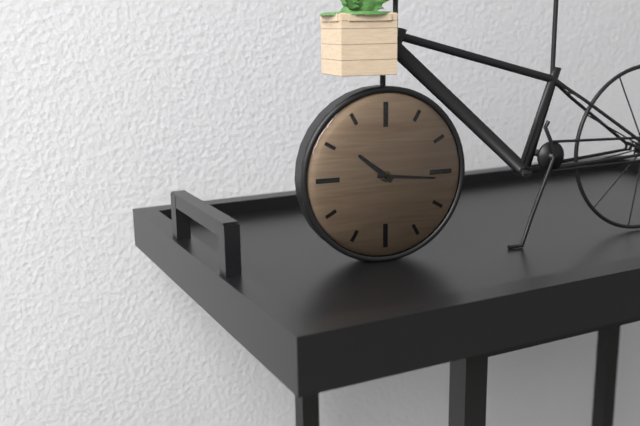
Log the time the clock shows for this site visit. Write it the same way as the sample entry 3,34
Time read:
10,16
